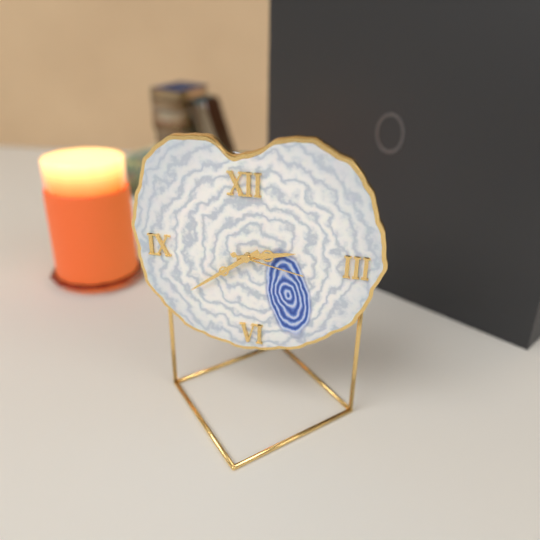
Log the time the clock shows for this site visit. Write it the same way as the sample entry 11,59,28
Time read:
2,39,17
